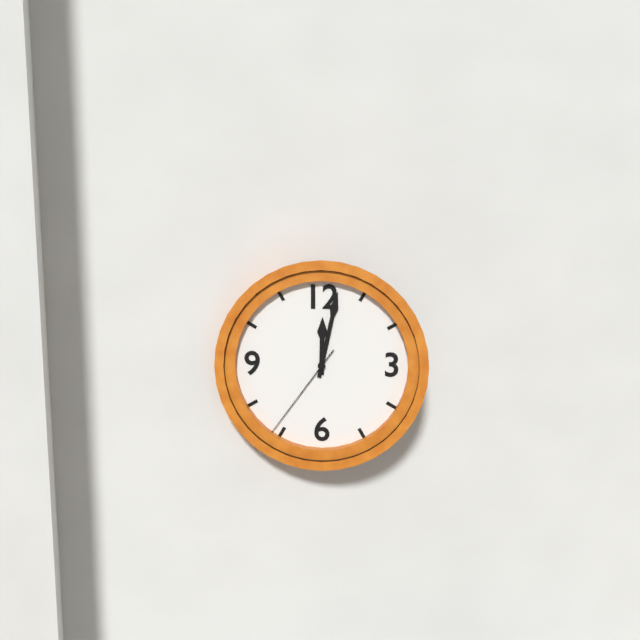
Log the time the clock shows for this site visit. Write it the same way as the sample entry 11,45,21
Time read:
12,02,36
